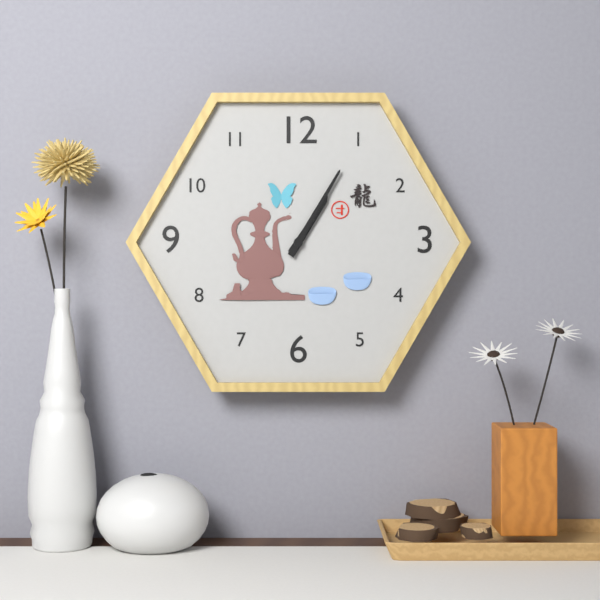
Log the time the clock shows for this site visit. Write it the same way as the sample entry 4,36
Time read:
1,05
